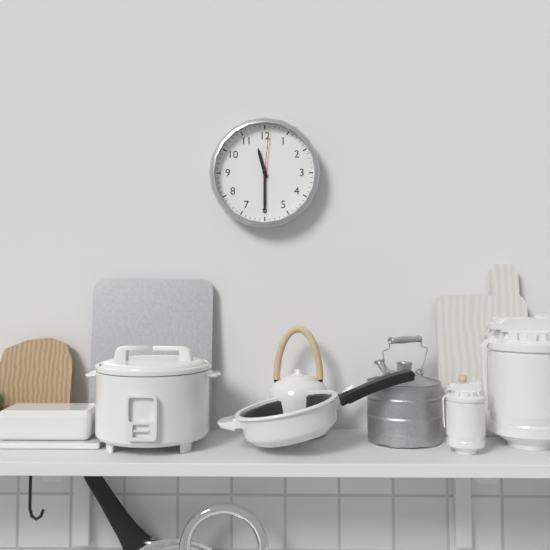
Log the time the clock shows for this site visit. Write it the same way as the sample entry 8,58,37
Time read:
11,30,01
